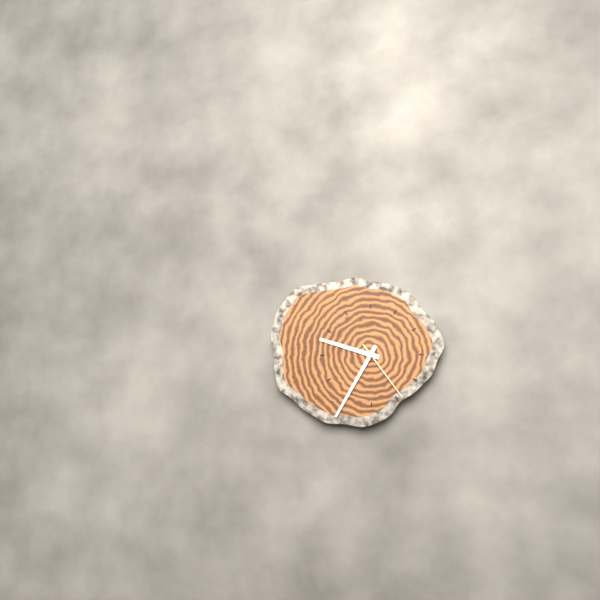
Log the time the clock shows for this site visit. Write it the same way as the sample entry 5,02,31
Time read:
9,35,24
